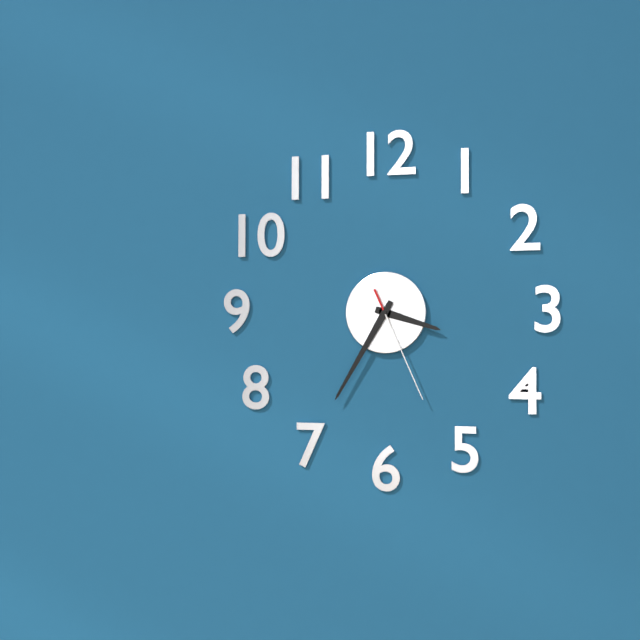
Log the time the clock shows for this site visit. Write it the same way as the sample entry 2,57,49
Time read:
3,35,26
